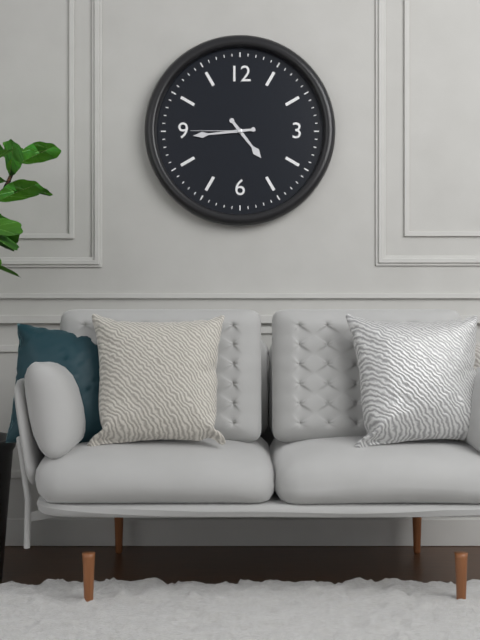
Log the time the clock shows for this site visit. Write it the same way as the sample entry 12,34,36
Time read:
4,44,45
